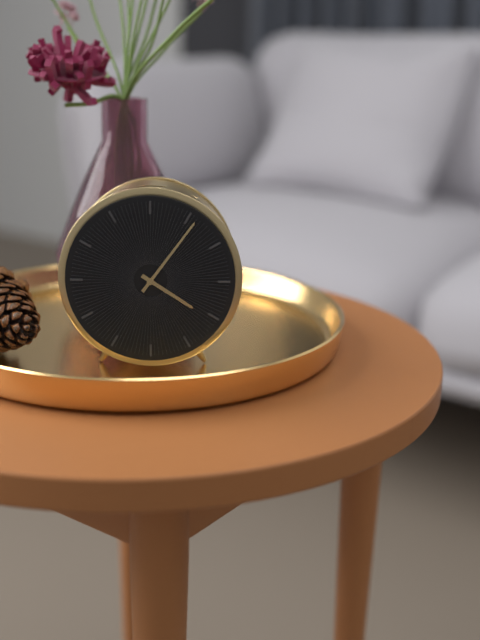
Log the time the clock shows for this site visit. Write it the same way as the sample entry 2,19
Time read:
4,06
